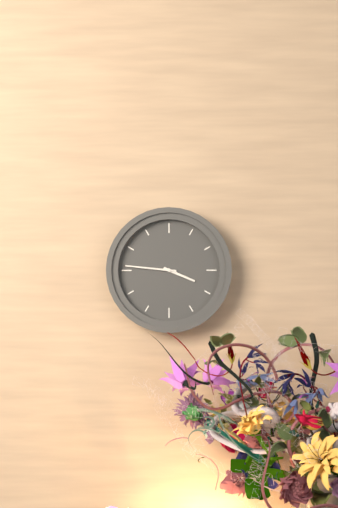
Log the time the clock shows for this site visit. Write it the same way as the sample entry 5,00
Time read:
3,46
